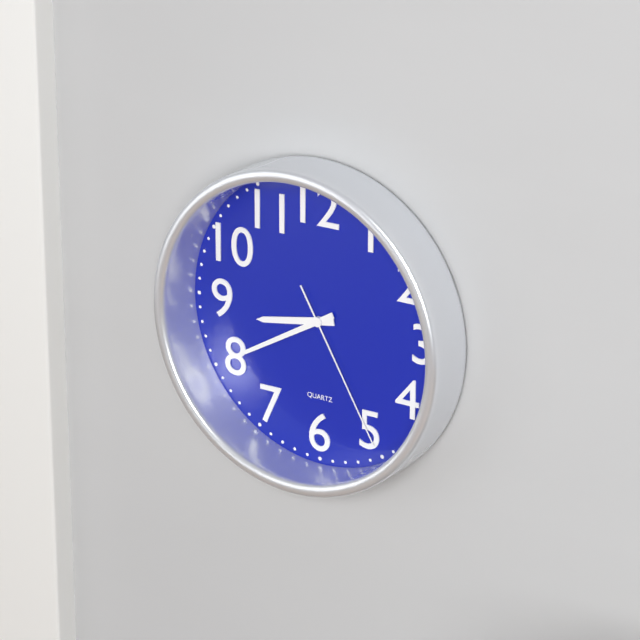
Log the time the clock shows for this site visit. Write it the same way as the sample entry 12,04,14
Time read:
8,40,25
